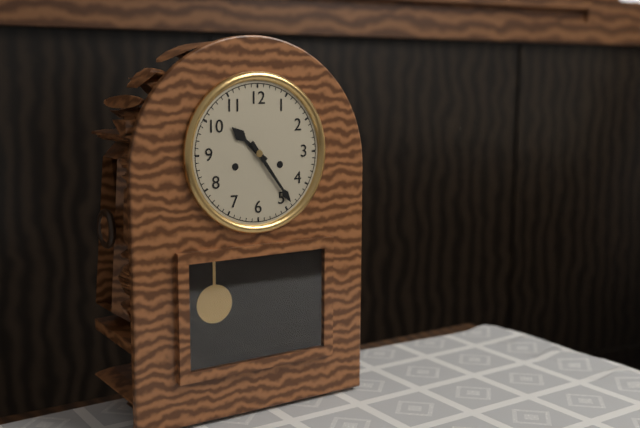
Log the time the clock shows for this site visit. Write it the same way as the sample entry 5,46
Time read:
10,24
